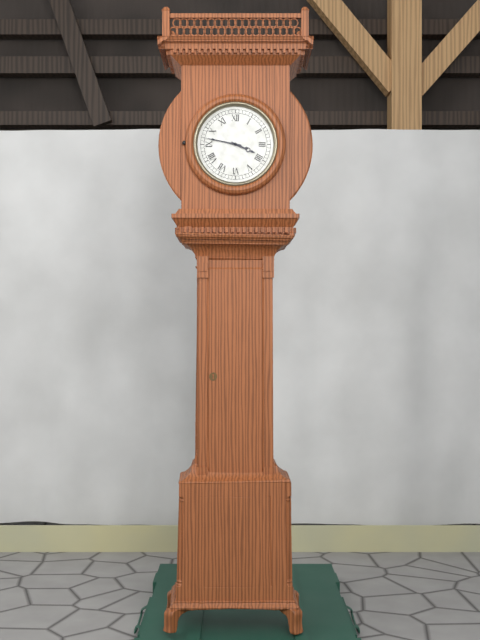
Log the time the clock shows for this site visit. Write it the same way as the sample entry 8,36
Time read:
3,47
